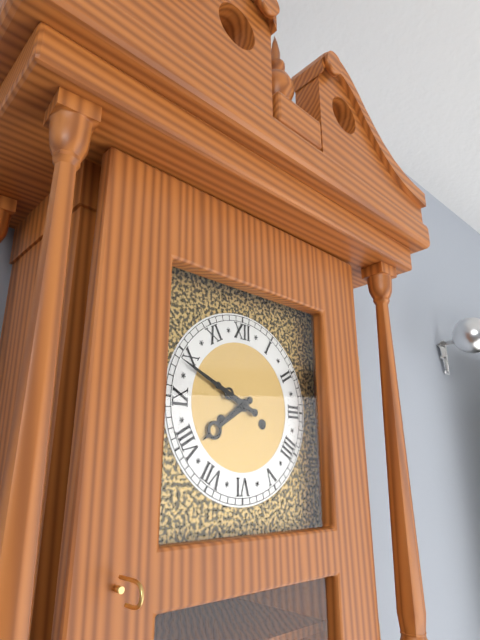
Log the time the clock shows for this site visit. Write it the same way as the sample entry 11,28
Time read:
7,49
